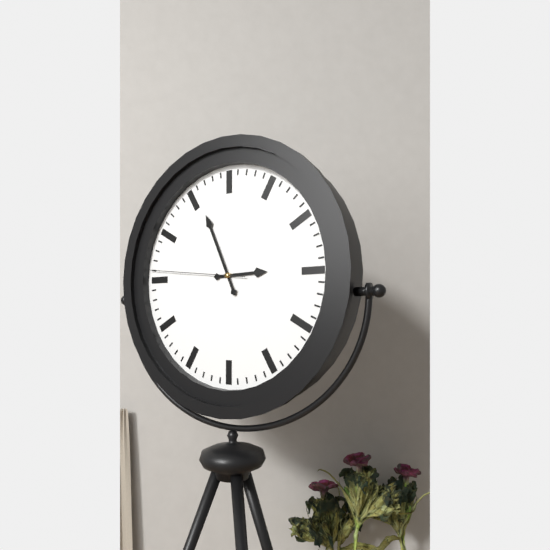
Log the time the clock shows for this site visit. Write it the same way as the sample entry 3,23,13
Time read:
2,56,46
